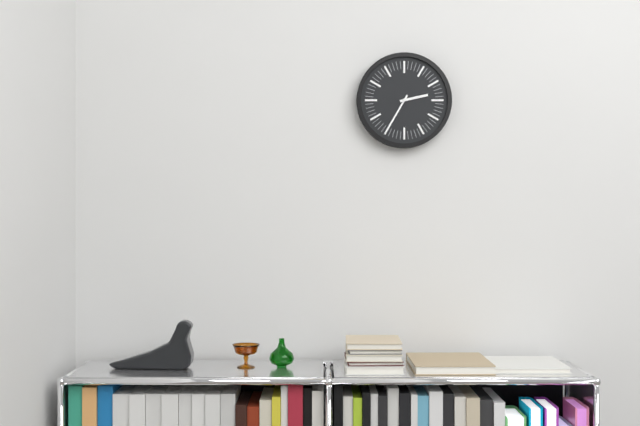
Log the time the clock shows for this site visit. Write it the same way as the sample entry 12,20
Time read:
2,35
